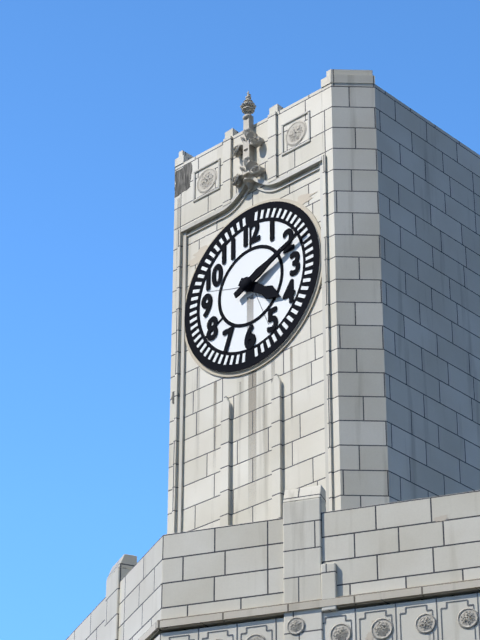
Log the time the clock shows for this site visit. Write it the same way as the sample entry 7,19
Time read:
4,11
